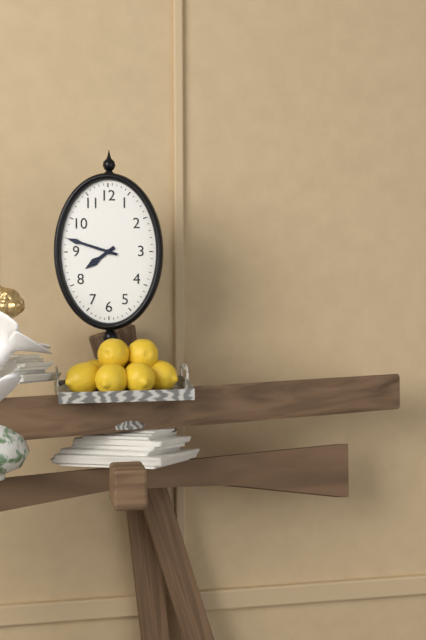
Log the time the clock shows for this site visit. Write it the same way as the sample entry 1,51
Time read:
7,48
